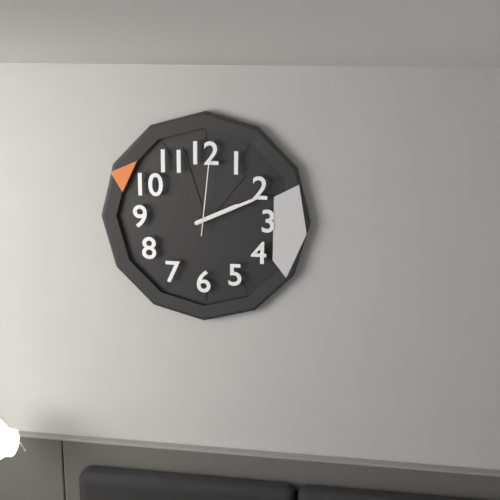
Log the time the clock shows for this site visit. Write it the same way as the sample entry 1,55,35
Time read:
2,11,01
